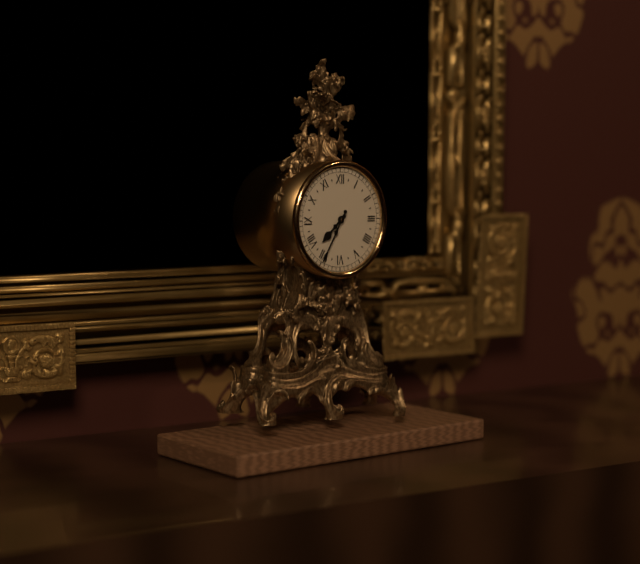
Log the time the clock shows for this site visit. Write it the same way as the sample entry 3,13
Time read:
7,35
